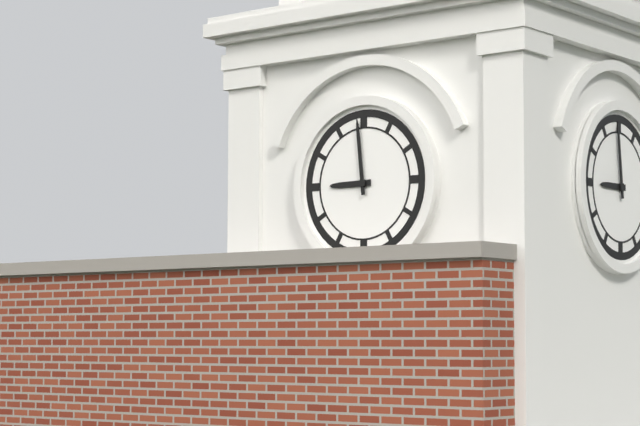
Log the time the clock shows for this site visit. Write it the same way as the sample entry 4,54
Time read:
8,59
